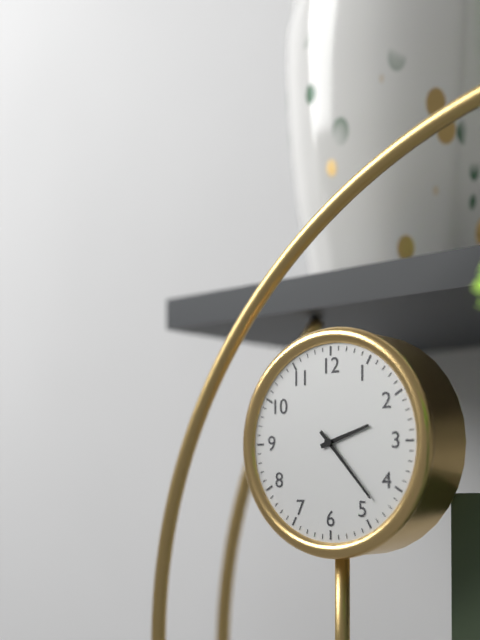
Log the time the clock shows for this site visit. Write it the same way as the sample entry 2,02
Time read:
2,23
